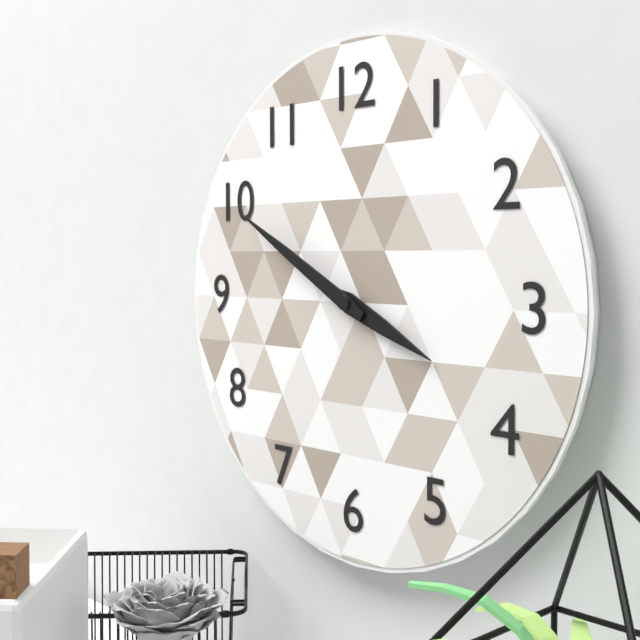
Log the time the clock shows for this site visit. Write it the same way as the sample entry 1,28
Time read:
3,50
